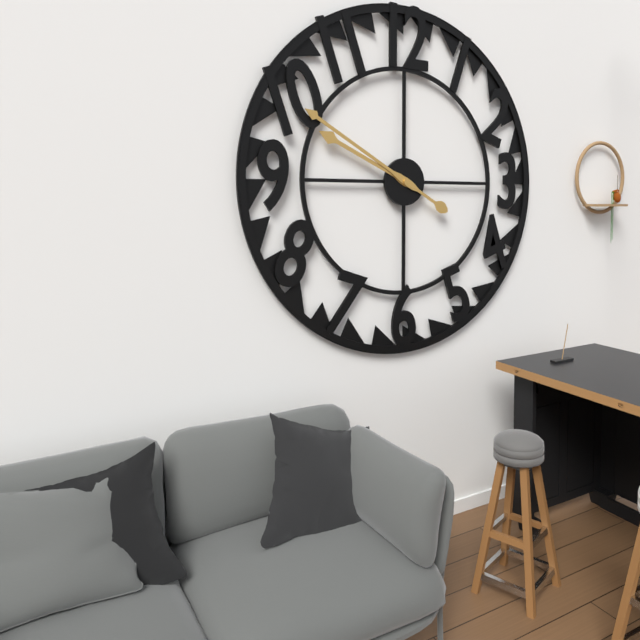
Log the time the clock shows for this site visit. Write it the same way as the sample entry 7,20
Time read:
9,50
